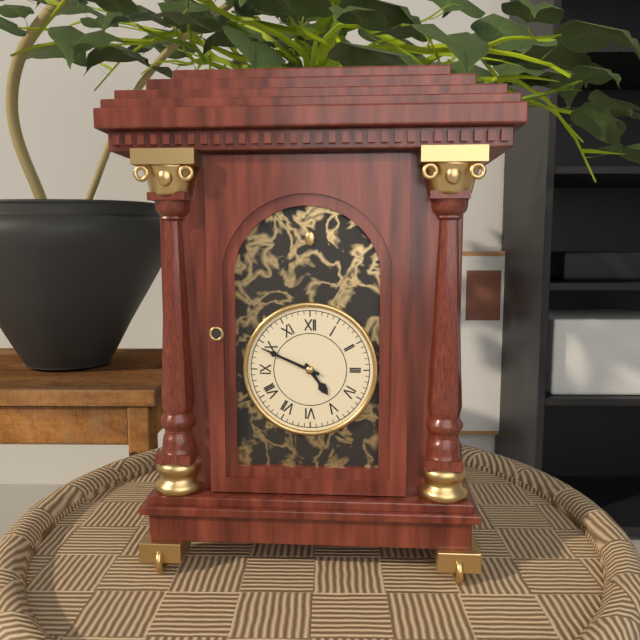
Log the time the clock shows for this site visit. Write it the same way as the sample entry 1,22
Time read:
4,49
